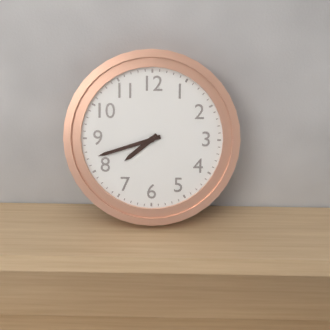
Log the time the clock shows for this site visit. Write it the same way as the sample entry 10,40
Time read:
7,42
